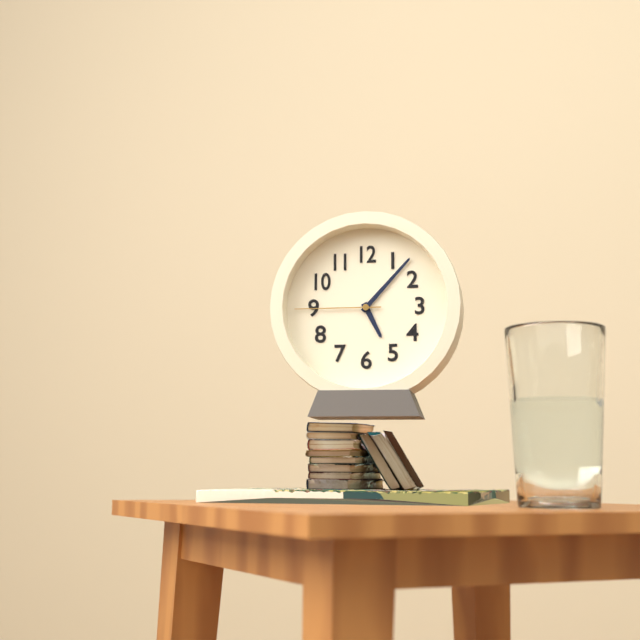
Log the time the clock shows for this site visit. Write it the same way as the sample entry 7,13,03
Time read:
5,07,45
